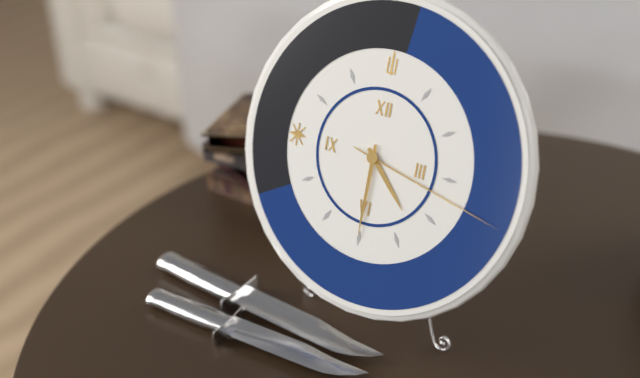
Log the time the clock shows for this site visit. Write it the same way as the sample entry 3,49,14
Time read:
4,30,17
